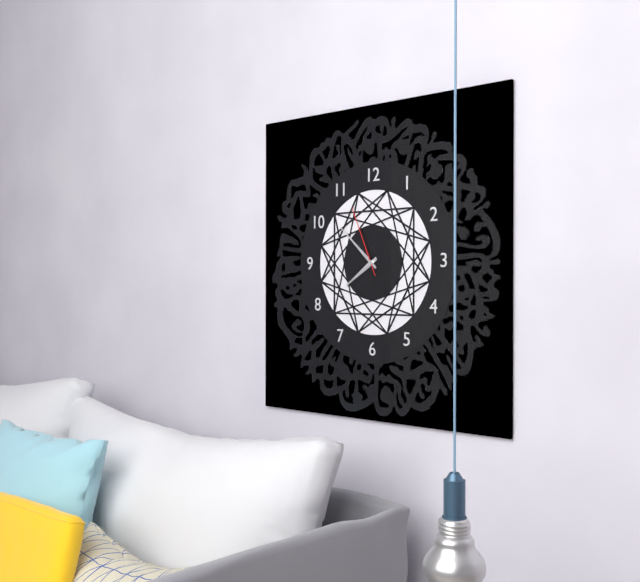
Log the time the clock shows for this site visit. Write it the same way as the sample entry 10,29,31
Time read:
7,52,56
